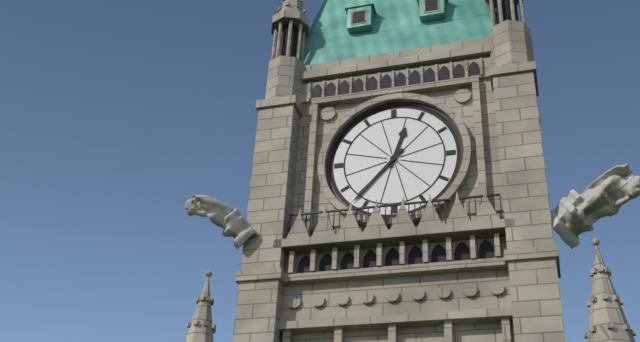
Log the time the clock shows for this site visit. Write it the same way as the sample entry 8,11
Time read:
12,37
